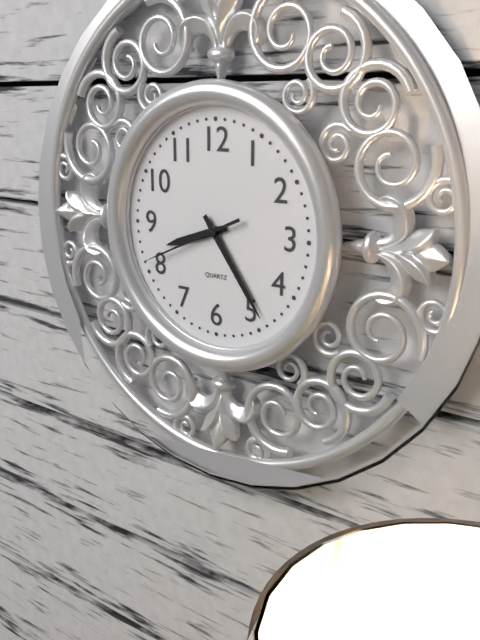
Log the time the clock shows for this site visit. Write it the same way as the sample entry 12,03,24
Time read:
8,24,41
